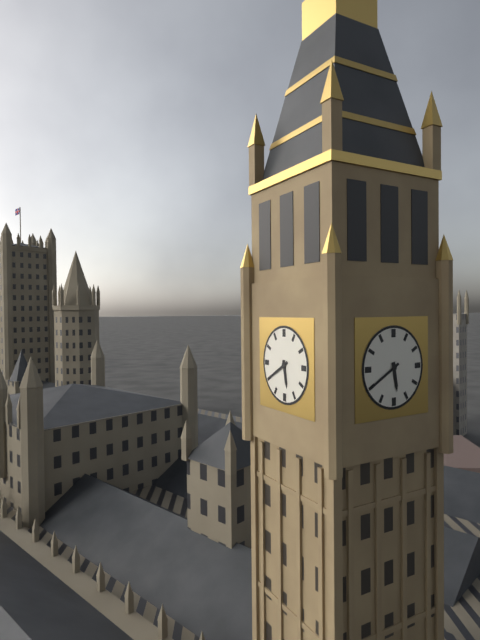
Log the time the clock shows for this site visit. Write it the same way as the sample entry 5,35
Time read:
5,40
